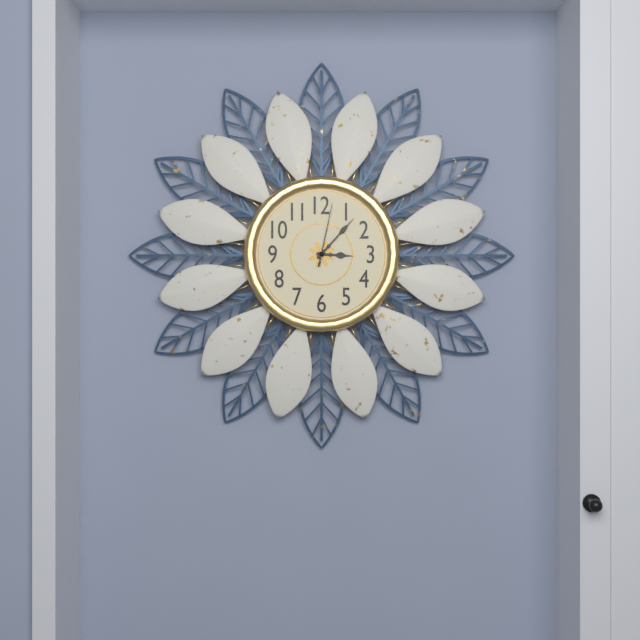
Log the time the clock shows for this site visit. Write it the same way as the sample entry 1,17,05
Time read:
3,07,02
